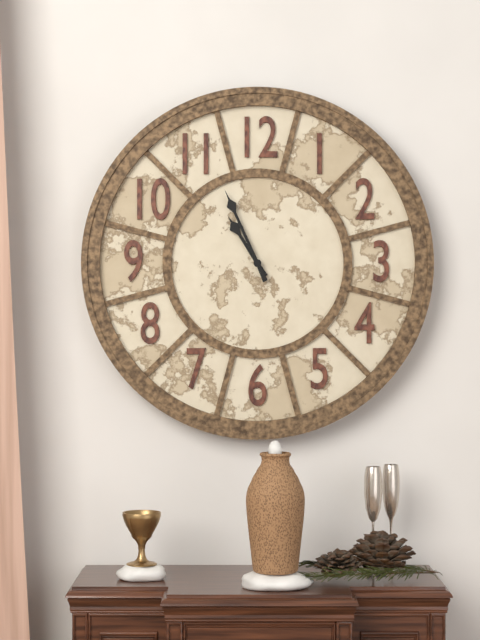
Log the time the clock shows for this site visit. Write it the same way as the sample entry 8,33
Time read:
10,56
